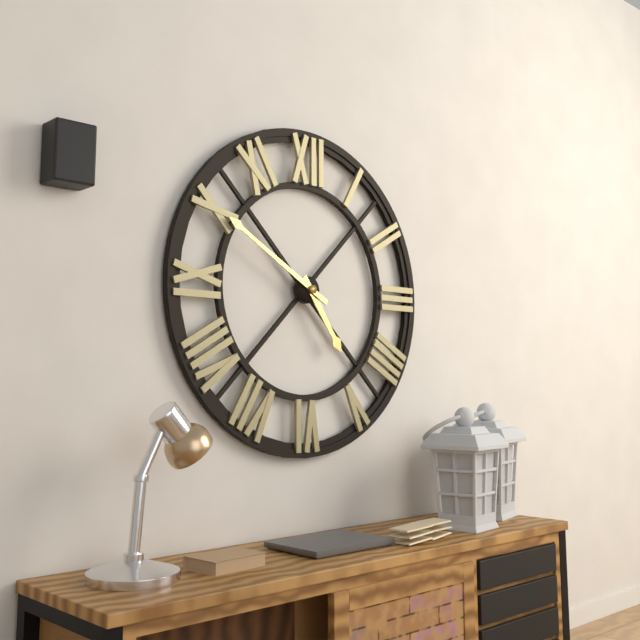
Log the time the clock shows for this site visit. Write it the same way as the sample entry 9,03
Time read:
4,50
